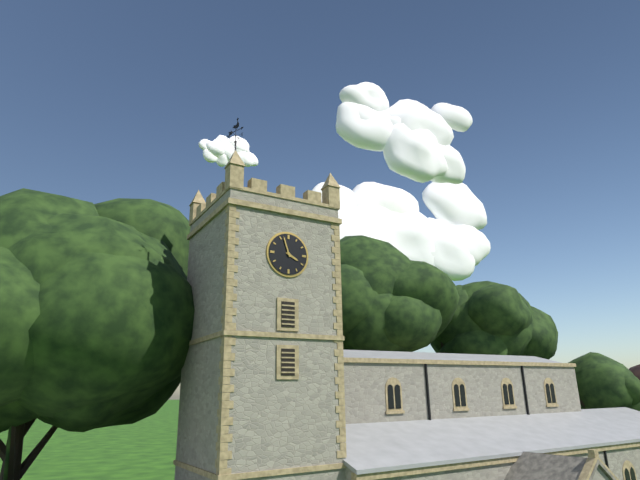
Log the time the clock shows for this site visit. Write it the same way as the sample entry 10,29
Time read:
3,57
